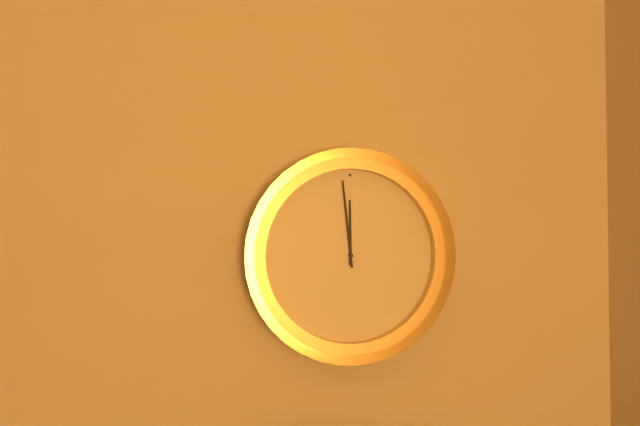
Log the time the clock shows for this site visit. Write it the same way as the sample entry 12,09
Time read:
11,59
